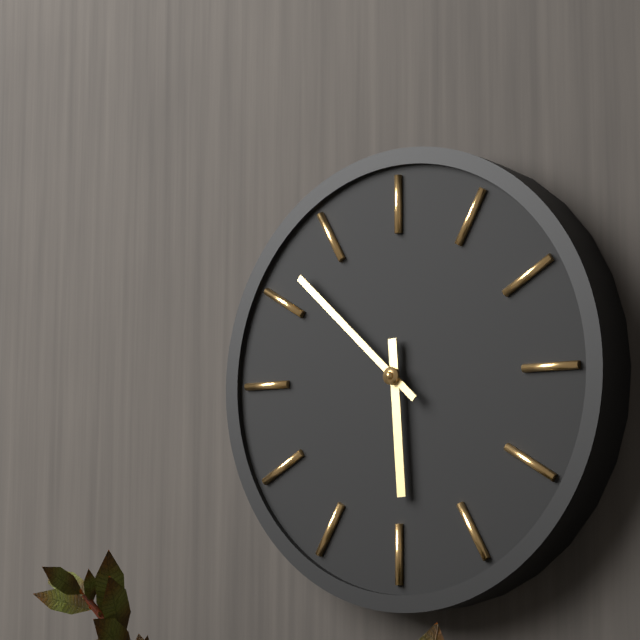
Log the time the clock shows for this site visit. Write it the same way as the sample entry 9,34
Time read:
5,52
